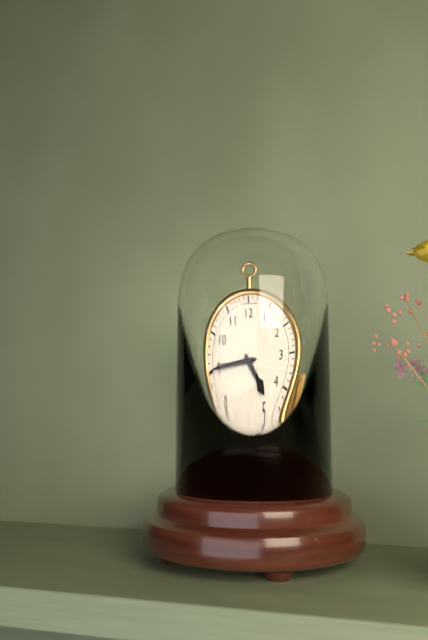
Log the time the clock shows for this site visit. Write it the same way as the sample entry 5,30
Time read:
4,45
